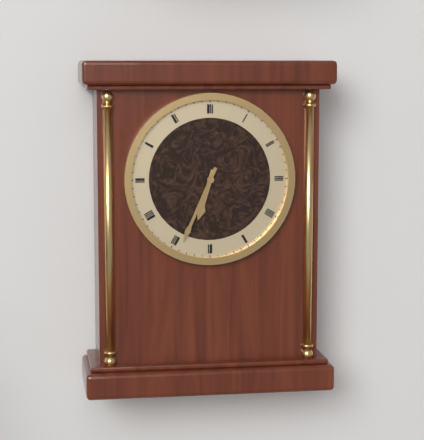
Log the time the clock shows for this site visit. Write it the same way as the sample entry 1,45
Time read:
6,34
